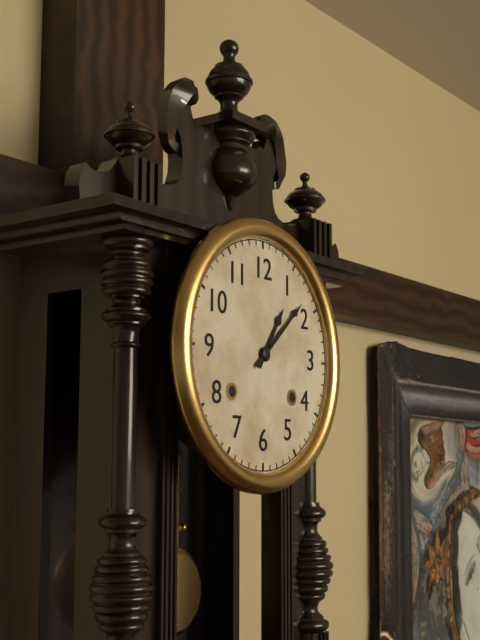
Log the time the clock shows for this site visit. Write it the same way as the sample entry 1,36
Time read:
1,08
